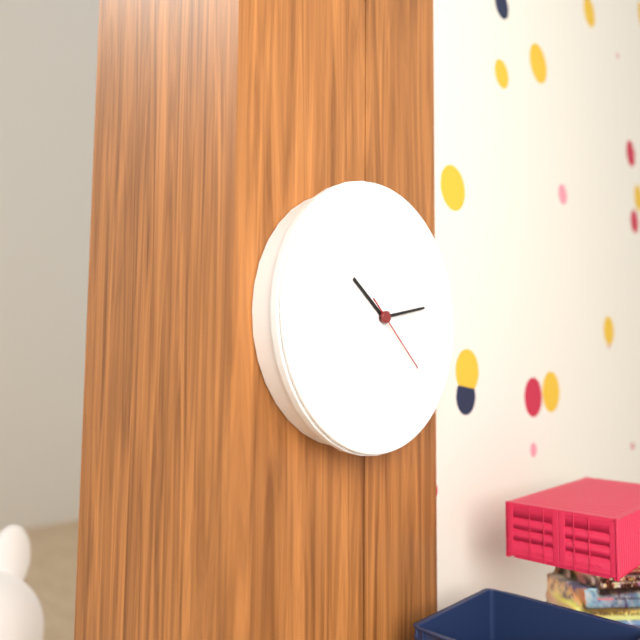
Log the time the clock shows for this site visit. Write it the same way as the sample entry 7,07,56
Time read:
10,13,22
